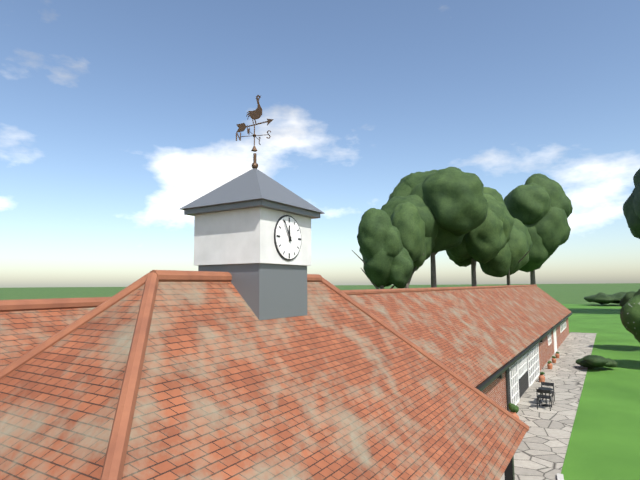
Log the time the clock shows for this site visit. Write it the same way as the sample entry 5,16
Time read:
11,55
